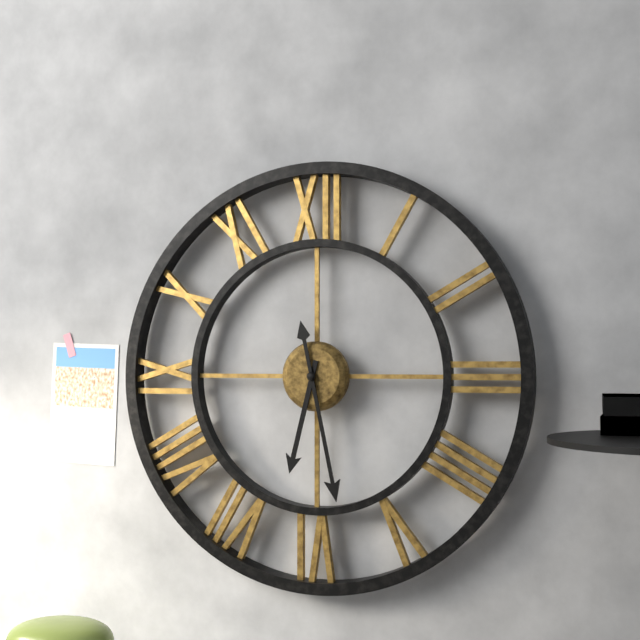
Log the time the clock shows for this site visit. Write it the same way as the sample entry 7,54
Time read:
6,28
